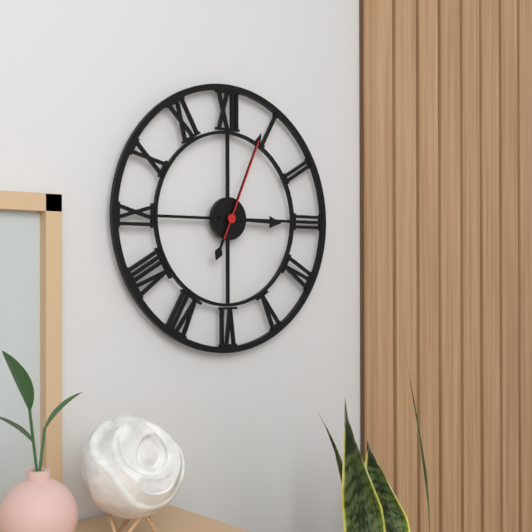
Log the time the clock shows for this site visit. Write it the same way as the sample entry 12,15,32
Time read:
3,04,04
